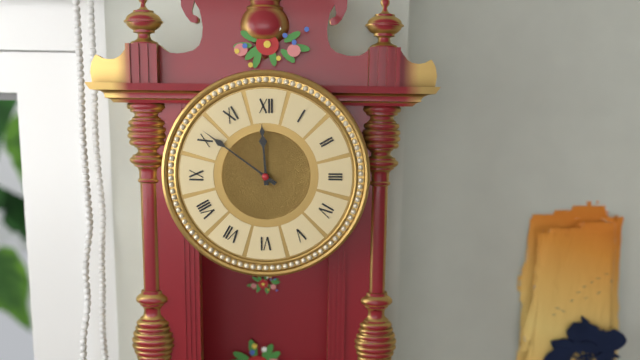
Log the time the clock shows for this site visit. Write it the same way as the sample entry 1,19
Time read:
11,51
